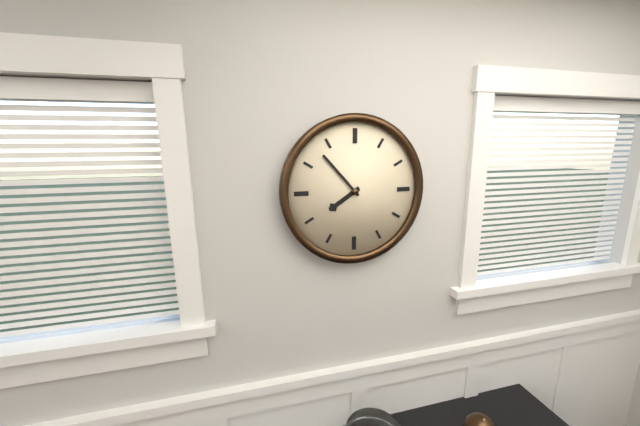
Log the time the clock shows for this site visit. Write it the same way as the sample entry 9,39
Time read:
7,53
